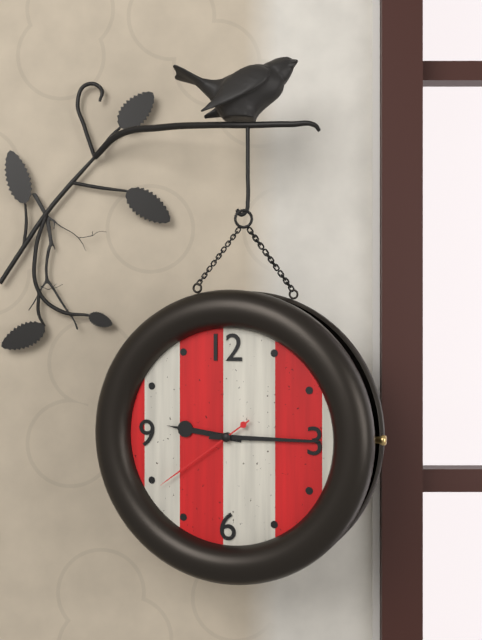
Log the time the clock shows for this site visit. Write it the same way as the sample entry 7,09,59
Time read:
9,15,39
